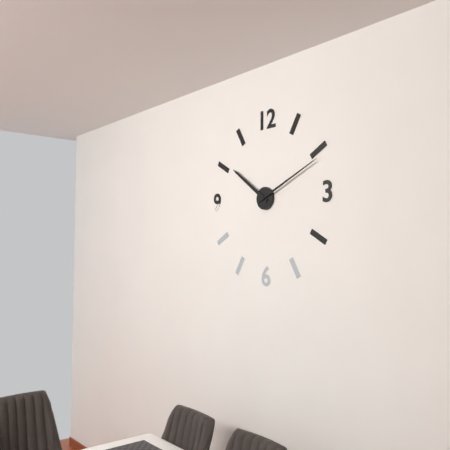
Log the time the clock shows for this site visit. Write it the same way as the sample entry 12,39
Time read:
10,11
